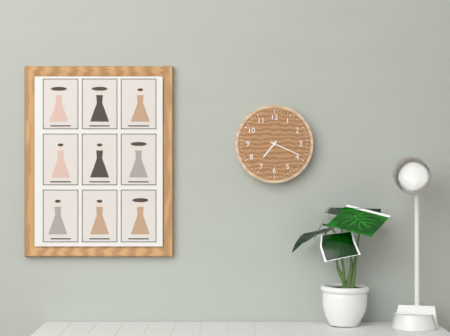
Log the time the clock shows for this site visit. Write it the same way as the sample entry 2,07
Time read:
7,19
